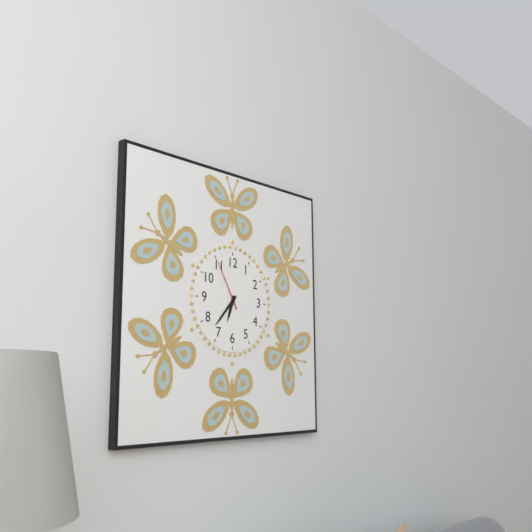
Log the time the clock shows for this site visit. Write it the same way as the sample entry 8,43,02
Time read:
6,37,55
